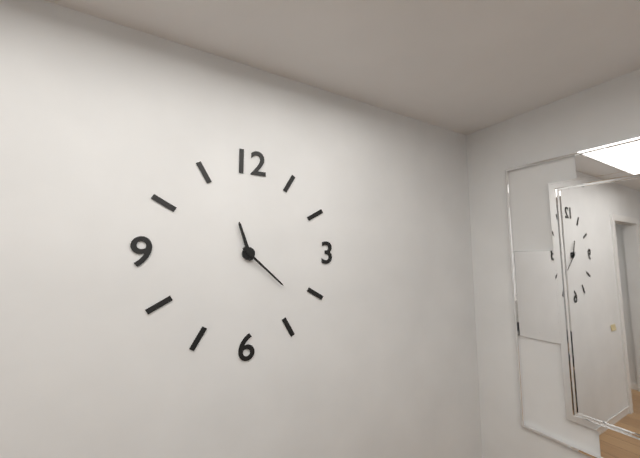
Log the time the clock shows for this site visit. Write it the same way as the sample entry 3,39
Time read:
11,22
